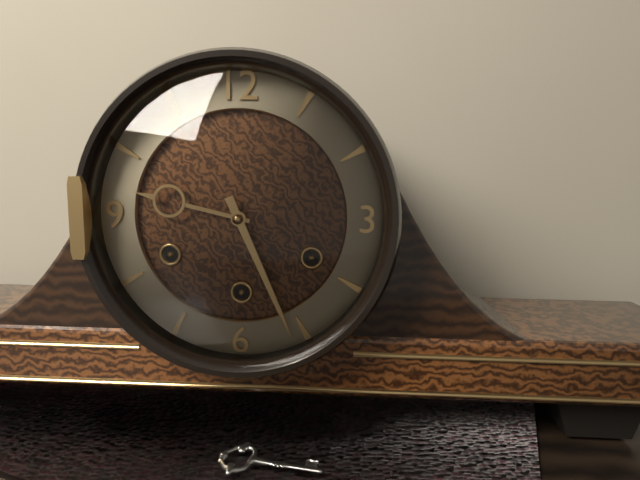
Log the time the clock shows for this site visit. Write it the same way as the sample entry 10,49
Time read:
9,26
